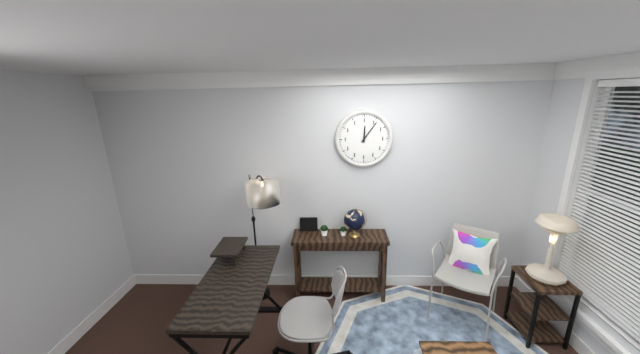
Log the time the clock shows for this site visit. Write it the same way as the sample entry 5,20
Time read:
12,06
